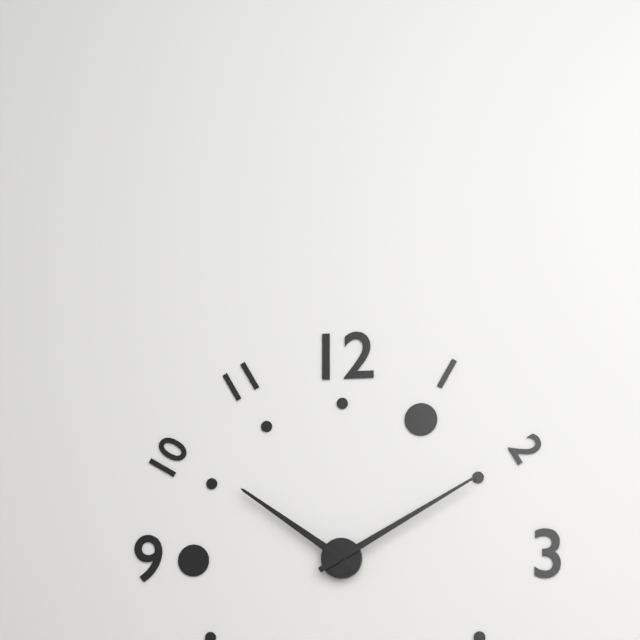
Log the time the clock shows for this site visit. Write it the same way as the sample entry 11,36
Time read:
10,10
